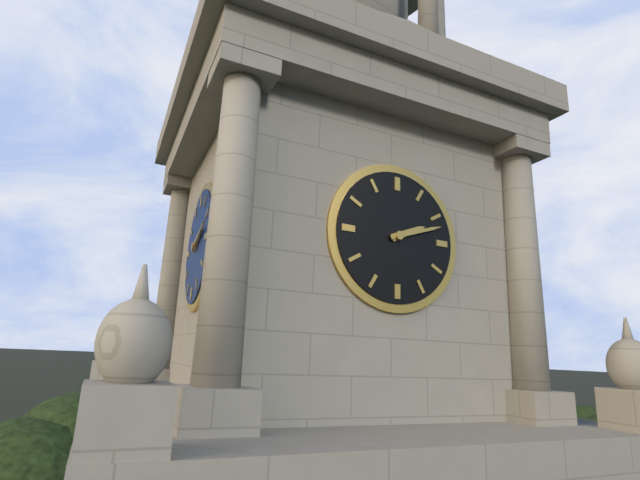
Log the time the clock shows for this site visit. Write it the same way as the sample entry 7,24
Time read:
2,12
